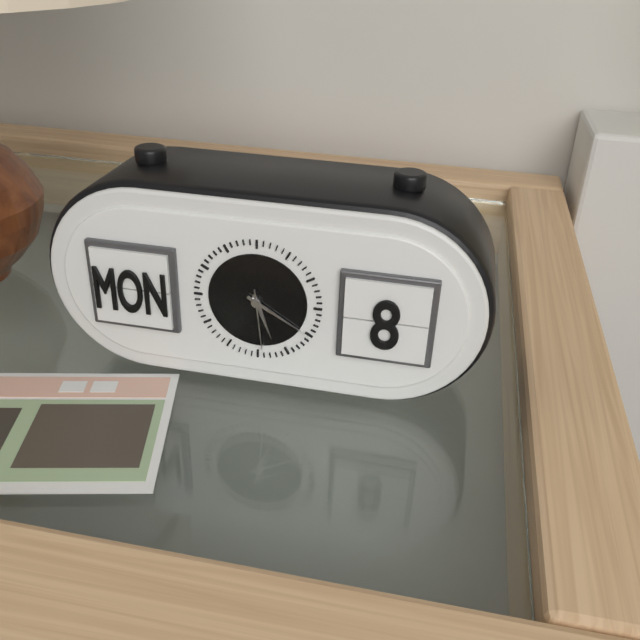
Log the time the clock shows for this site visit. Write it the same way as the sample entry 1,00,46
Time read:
5,20,29
